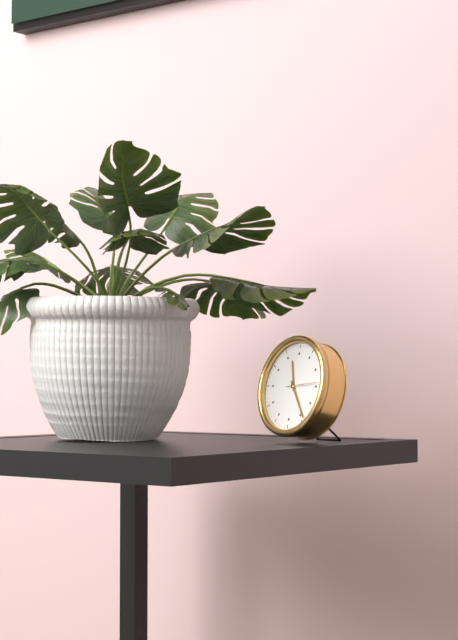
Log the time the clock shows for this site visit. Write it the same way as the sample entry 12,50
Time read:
11,24
